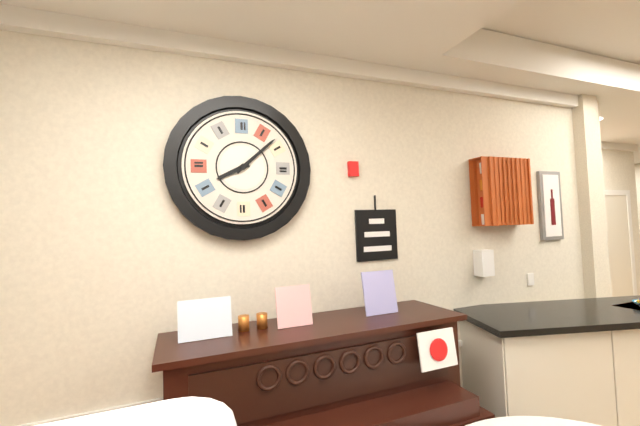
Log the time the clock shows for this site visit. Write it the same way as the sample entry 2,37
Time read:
8,08
